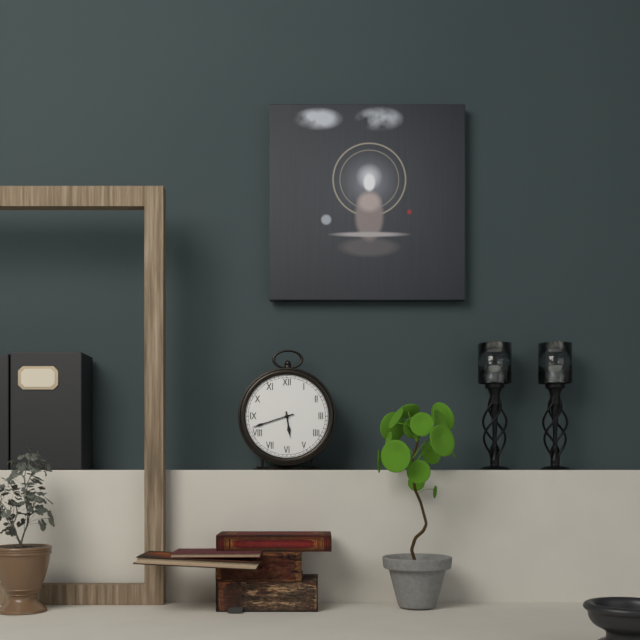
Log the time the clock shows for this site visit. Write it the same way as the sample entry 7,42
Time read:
5,42
